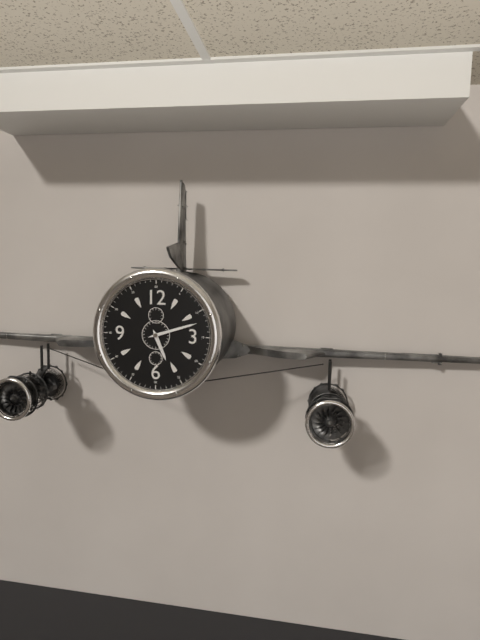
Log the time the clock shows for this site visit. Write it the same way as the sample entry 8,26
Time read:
5,12
